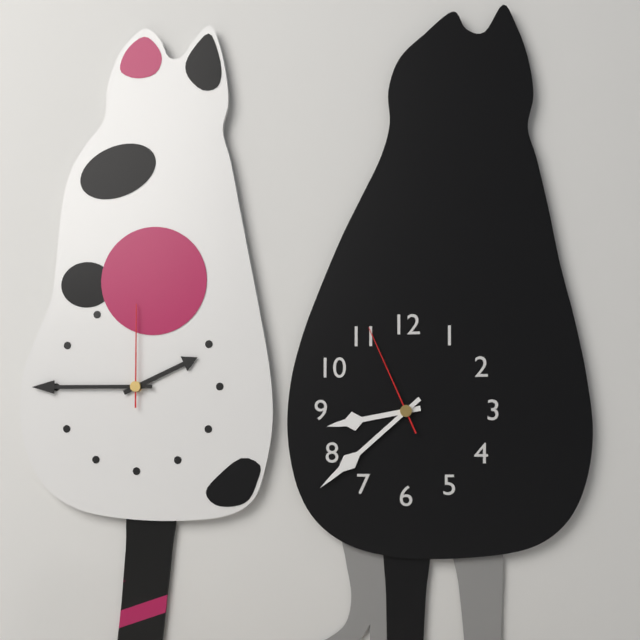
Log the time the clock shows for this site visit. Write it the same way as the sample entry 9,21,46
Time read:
8,38,56
